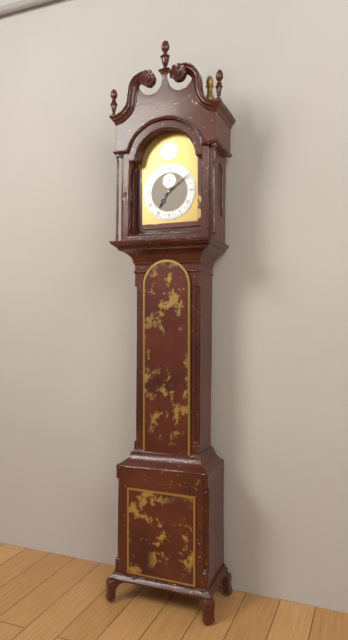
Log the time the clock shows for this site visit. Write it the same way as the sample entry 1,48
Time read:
7,09
